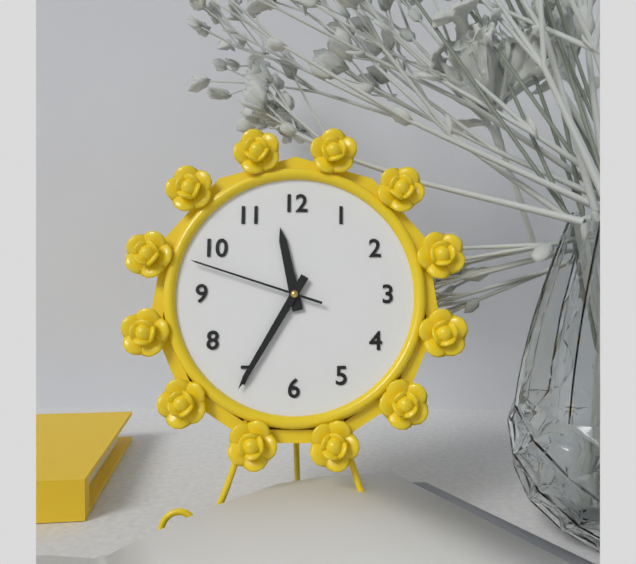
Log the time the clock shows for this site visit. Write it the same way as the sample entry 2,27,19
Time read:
11,35,48
